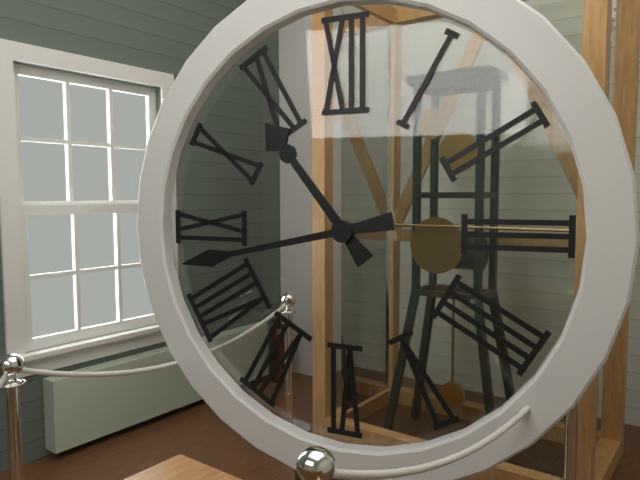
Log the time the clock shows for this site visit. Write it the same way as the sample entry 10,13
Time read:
10,43
